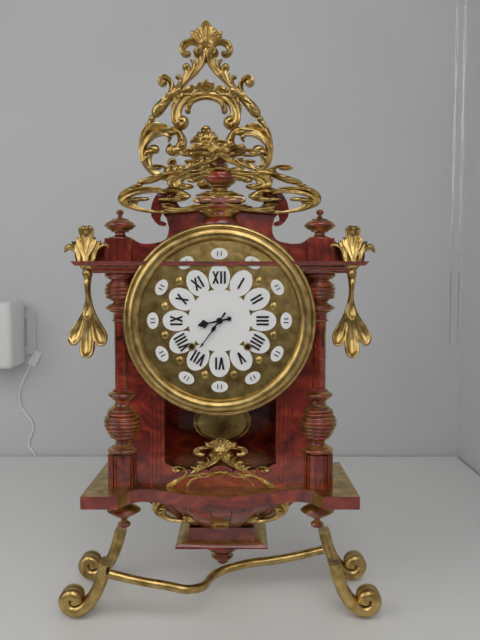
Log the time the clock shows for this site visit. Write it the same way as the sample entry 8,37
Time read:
8,36
